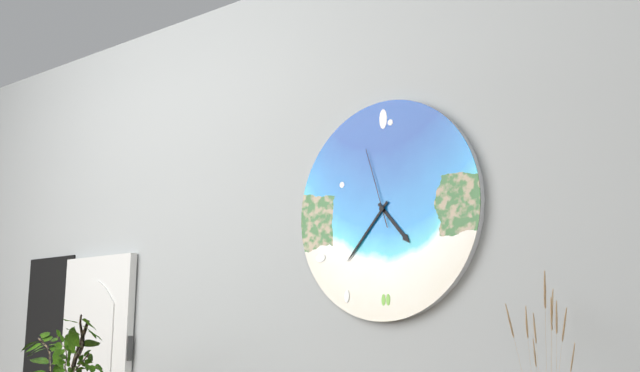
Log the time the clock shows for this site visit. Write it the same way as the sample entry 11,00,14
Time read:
4,37,57
